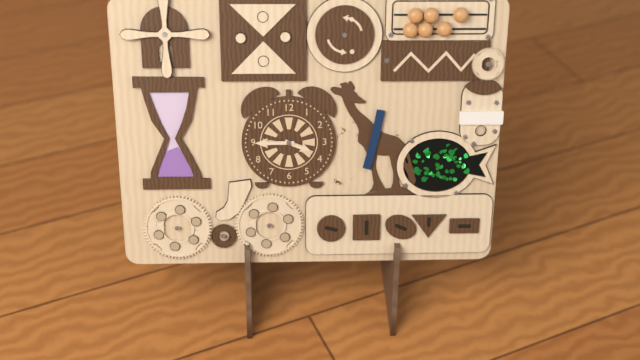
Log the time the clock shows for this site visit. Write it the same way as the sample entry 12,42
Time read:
3,45
